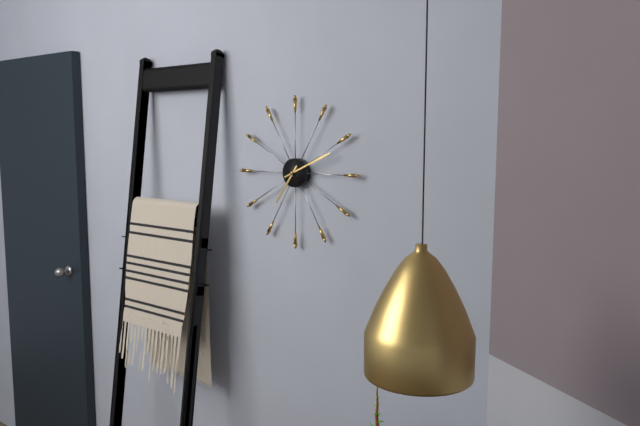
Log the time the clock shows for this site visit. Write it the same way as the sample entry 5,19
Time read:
7,11
